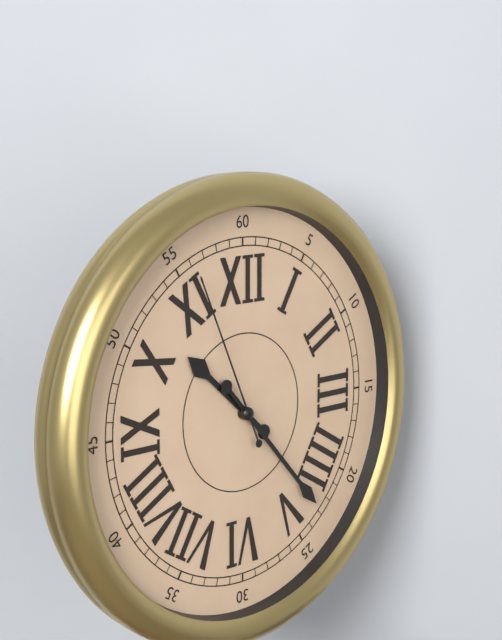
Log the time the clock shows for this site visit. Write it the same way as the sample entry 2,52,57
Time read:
10,23,56
